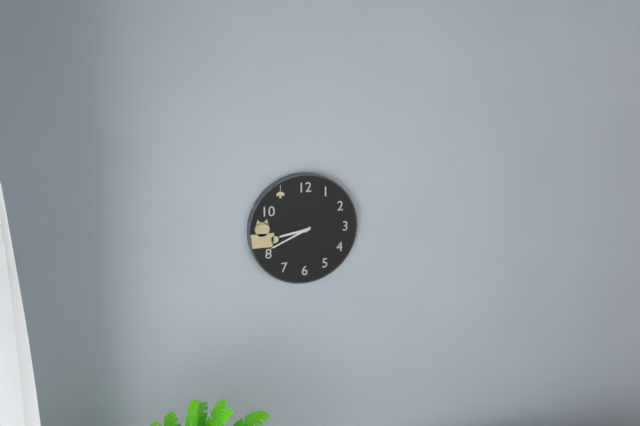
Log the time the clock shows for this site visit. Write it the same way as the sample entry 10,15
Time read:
8,41
